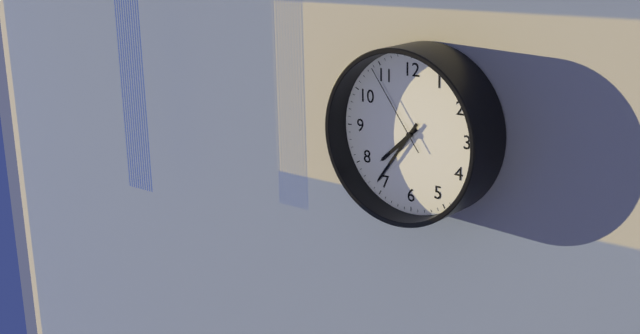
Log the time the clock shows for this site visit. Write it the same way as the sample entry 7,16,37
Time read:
7,36,54
